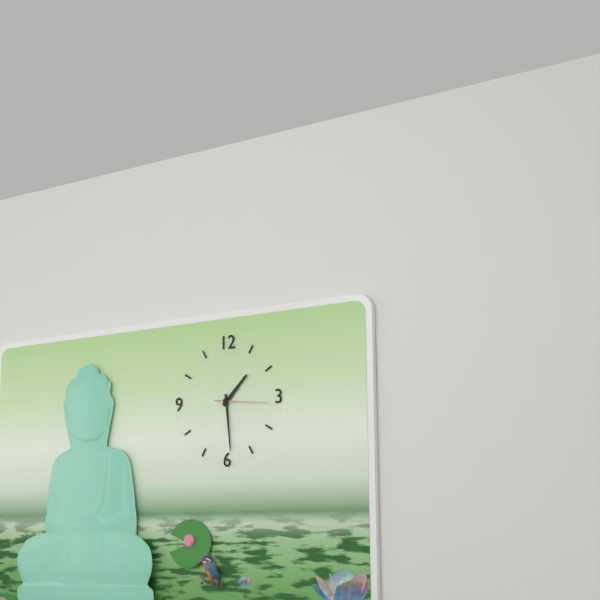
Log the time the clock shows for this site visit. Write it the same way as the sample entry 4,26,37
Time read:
1,29,16
